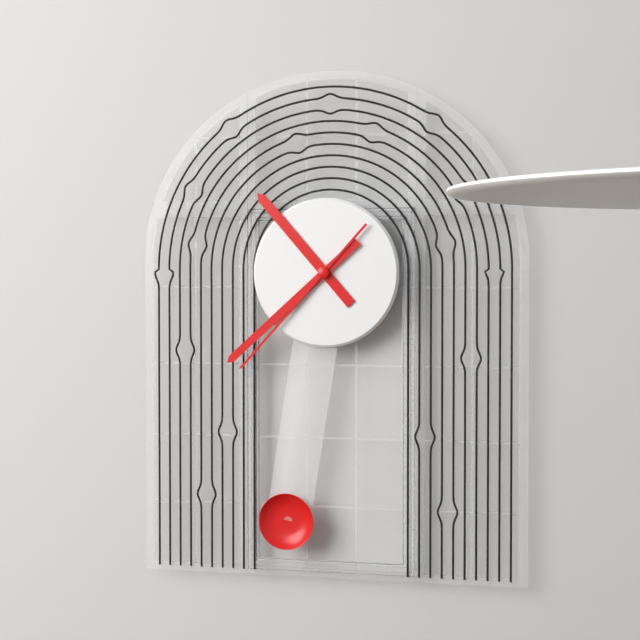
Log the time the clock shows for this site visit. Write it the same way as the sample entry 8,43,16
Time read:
10,38,37
